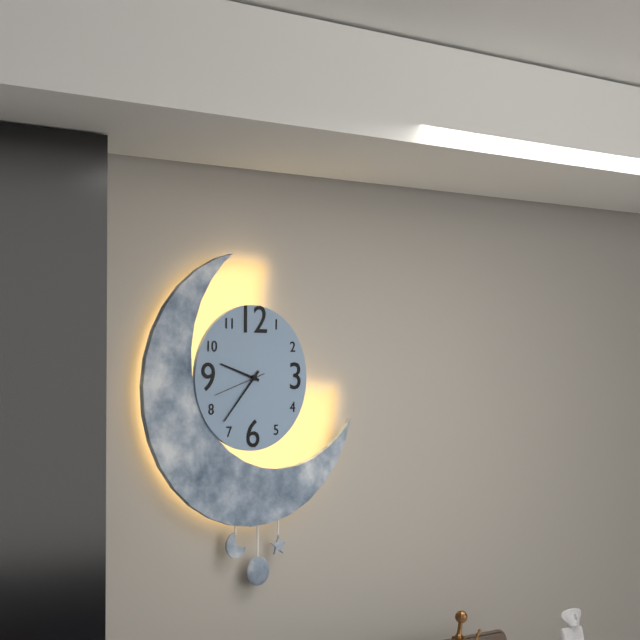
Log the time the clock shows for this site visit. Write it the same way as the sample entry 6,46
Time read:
9,37
